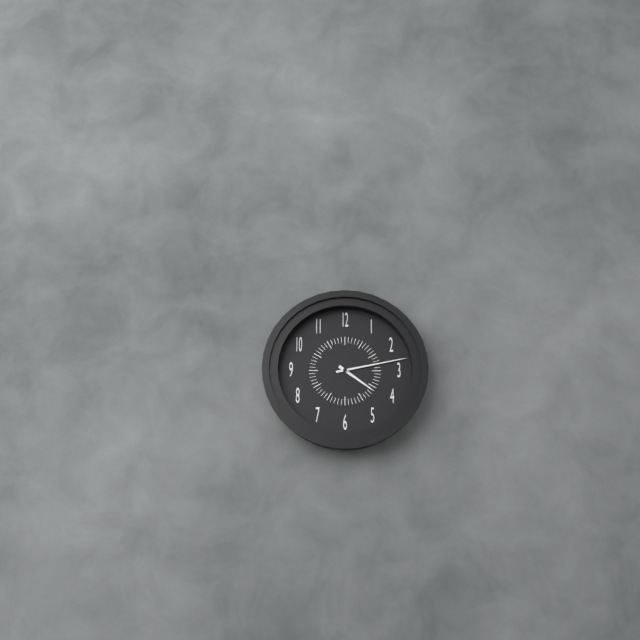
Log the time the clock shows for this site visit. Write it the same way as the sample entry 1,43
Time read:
4,13
